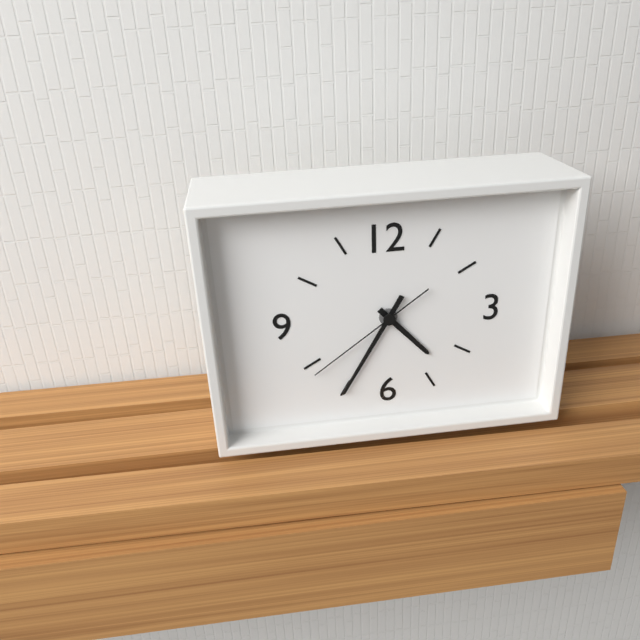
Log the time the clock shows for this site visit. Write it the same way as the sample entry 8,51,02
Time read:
4,35,39
